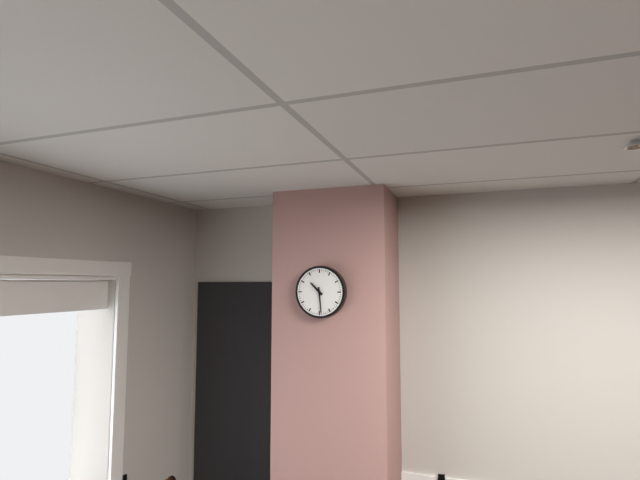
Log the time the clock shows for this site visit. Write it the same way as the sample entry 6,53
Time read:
10,29
